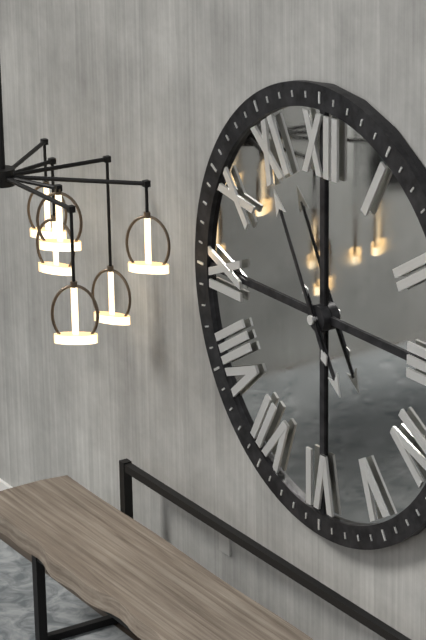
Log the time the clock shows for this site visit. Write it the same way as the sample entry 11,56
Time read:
4,55
